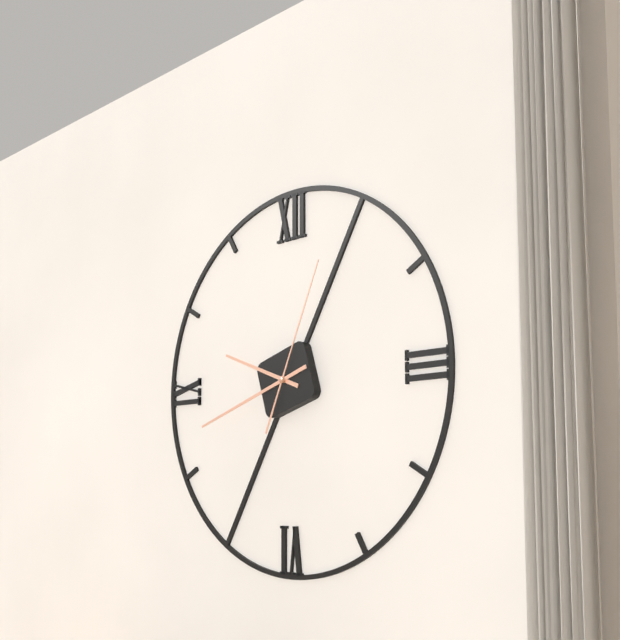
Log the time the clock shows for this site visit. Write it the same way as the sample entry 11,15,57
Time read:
9,42,04
